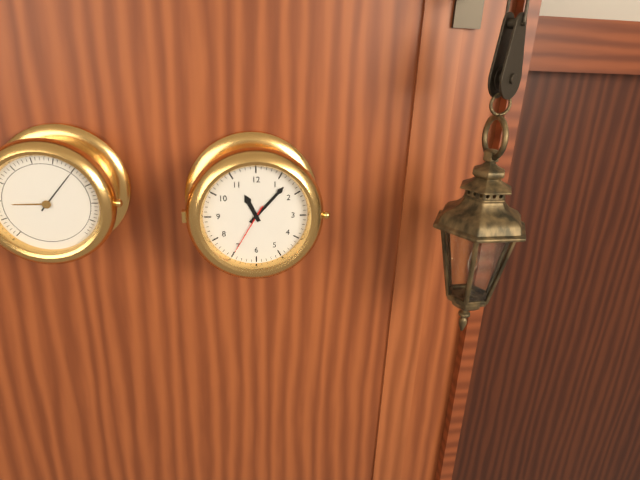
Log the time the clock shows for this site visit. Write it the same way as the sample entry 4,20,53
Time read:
11,07,35
